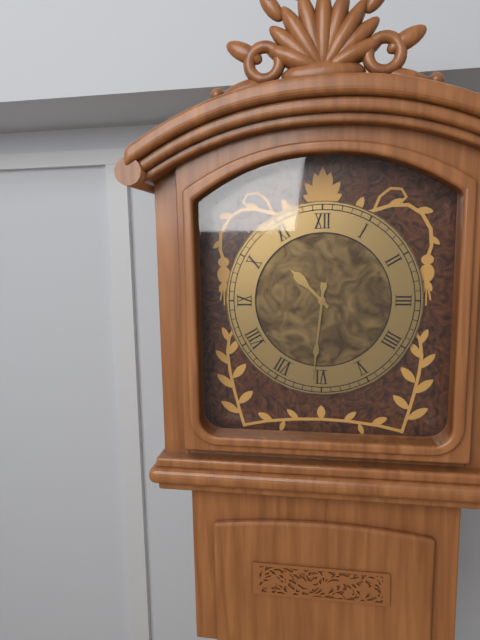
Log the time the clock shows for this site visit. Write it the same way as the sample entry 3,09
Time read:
10,31
